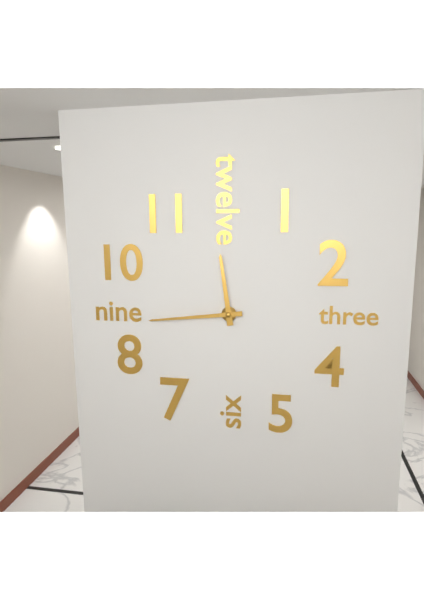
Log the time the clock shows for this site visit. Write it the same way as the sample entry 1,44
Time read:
11,44
